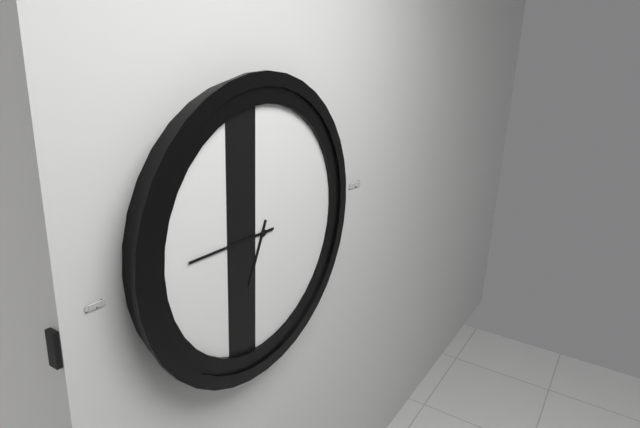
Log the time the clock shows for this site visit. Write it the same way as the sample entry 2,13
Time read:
6,45
